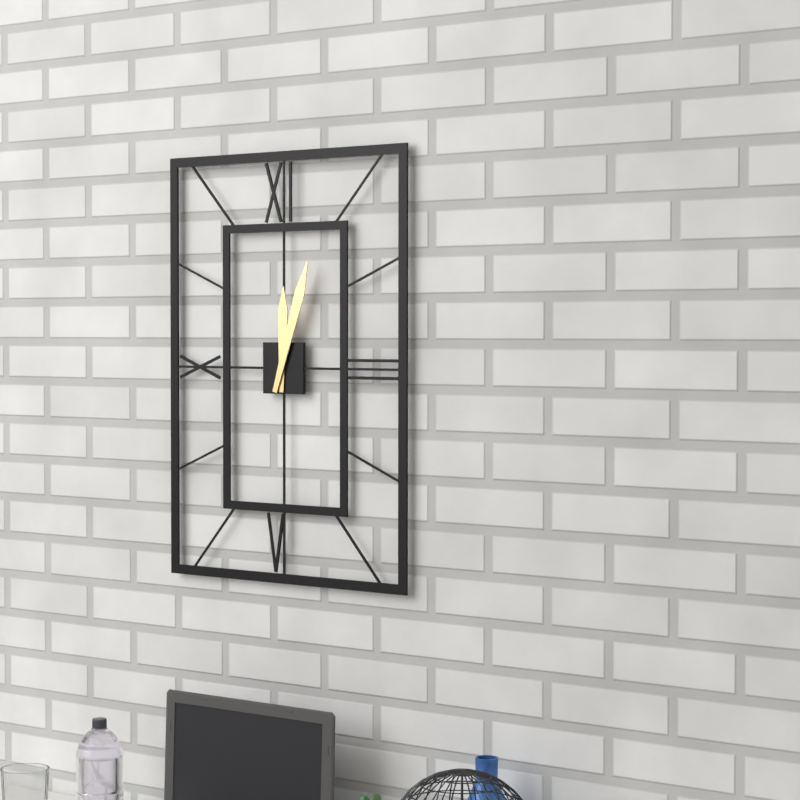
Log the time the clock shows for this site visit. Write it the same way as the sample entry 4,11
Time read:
12,03
